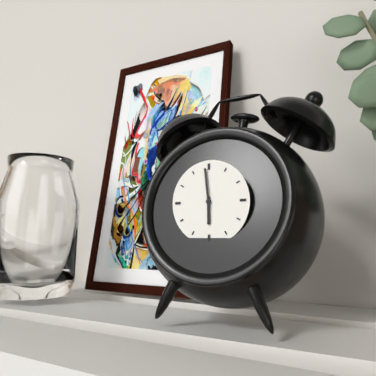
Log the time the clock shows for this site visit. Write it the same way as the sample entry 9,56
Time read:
5,59
